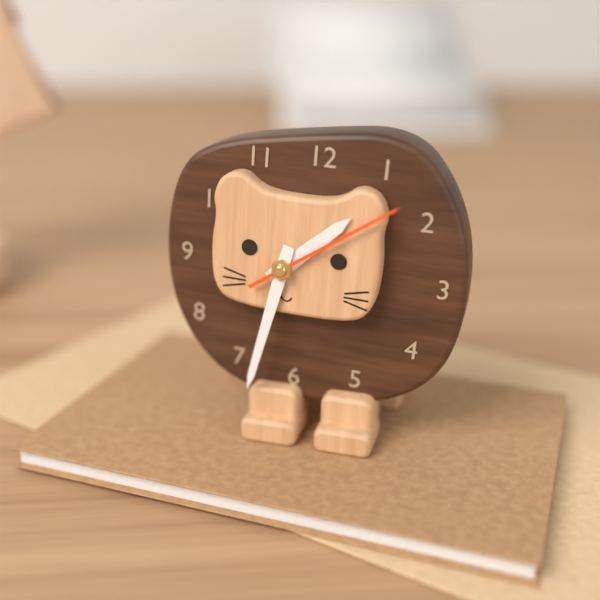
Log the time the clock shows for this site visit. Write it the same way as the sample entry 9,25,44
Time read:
1,32,09
